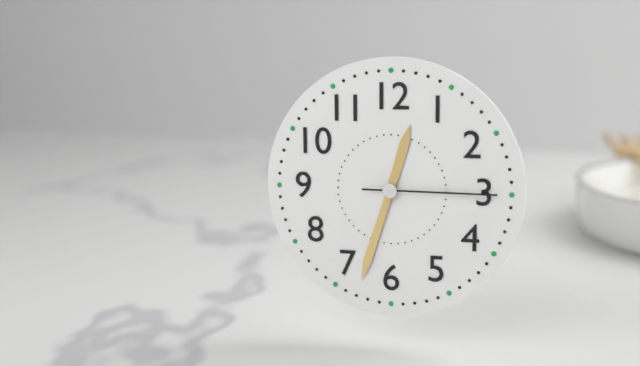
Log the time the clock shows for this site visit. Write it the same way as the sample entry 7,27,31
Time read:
12,33,15
